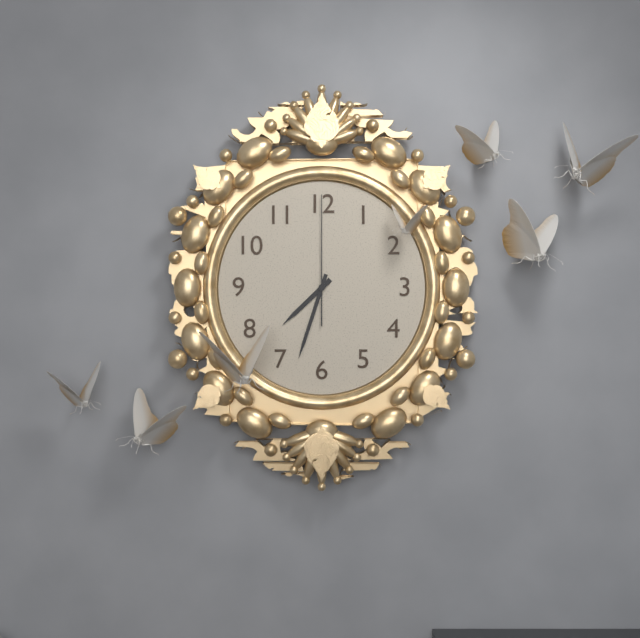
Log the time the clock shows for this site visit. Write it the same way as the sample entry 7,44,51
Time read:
7,33,00
